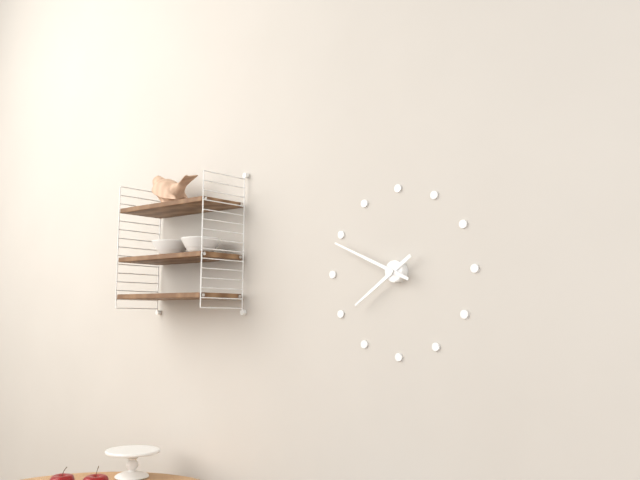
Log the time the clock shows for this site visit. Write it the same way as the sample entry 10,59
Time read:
7,49
